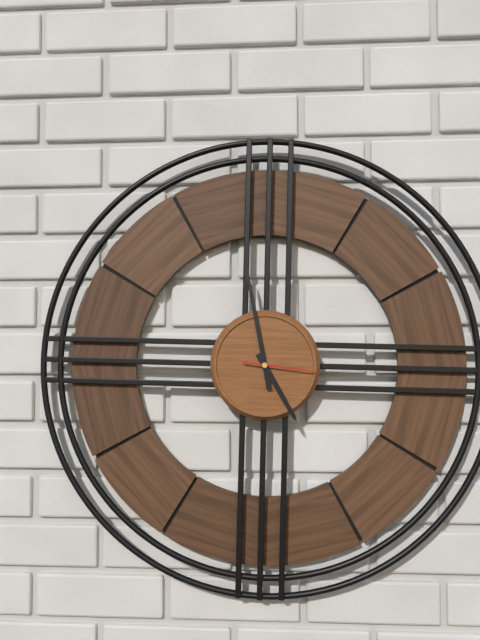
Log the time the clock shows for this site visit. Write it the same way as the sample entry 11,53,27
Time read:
4,58,16
